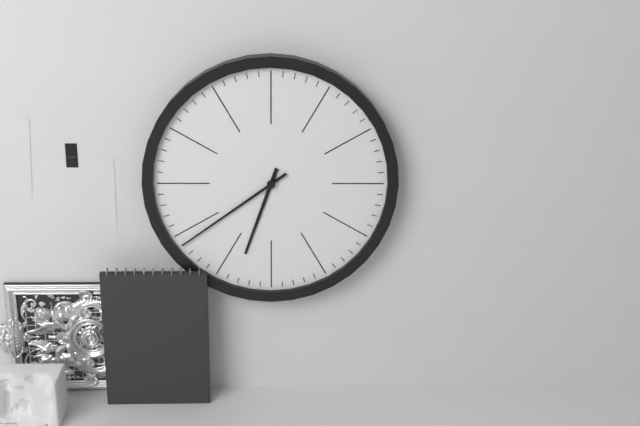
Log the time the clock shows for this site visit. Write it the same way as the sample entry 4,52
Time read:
6,39
